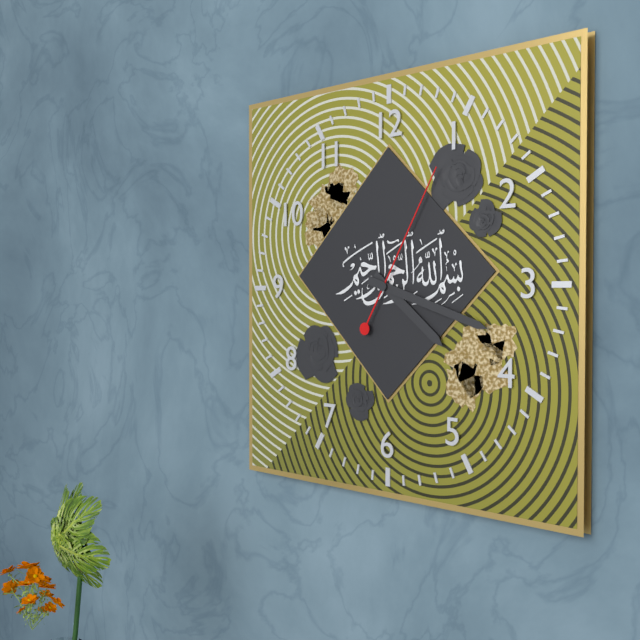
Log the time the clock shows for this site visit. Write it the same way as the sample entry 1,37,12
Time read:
4,18,05
